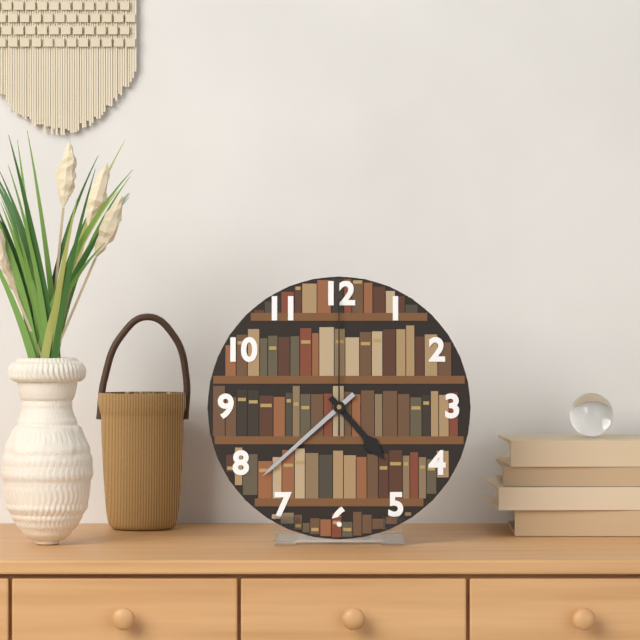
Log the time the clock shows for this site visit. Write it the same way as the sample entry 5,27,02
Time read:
4,38,00
